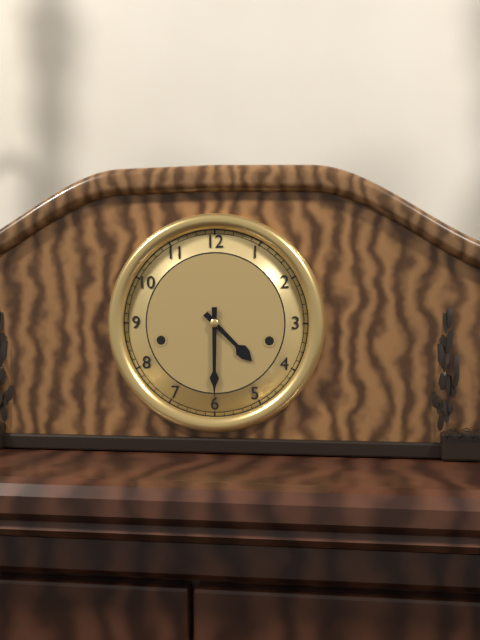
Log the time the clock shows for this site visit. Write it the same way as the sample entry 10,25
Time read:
4,30
